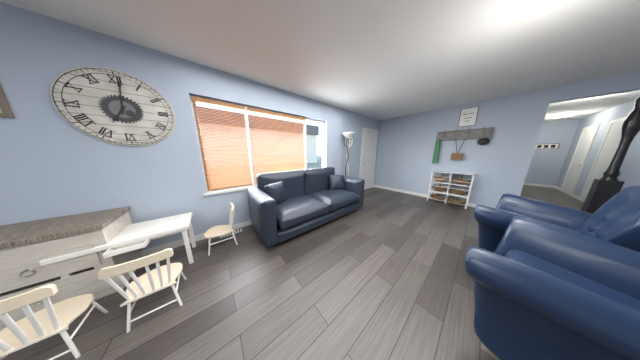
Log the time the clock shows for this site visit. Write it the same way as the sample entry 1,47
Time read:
7,01
